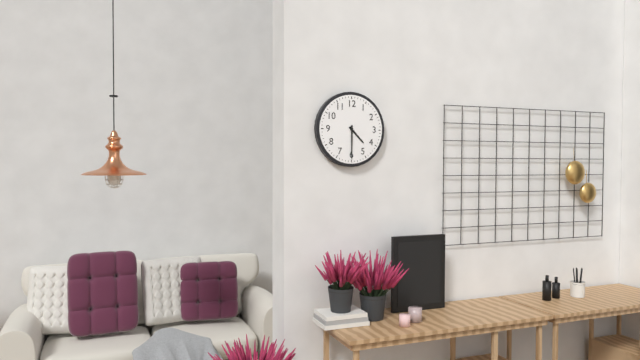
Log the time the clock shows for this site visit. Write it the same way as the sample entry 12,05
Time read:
4,30
